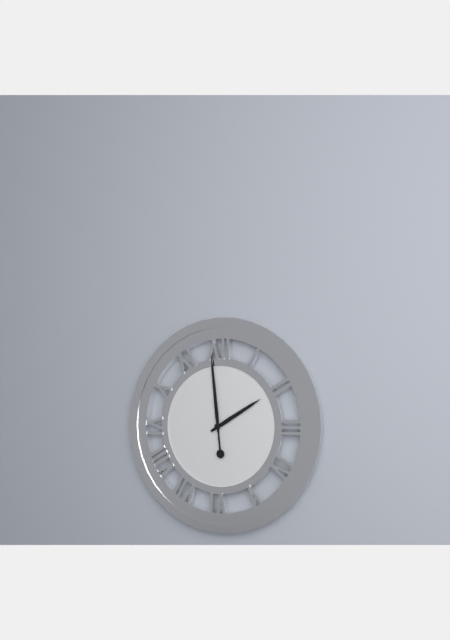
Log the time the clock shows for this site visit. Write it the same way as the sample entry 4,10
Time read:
1,59
